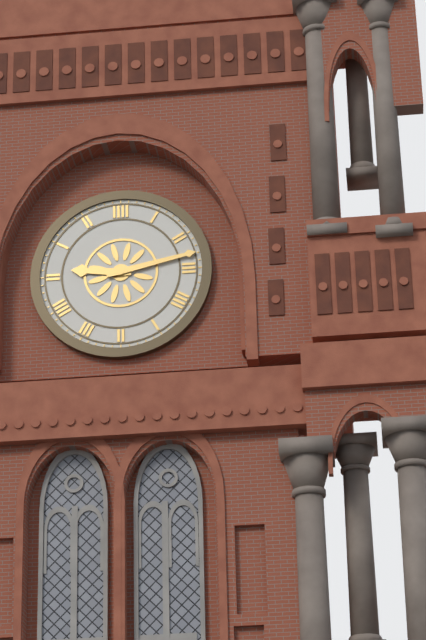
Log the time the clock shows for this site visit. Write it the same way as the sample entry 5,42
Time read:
9,13
